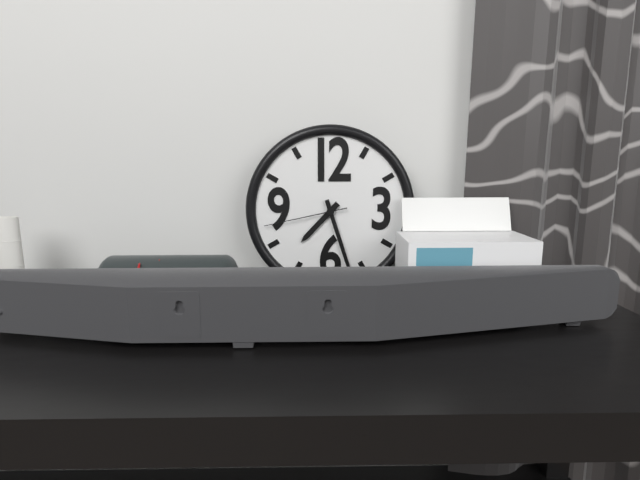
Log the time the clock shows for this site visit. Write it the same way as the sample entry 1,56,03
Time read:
7,27,43
